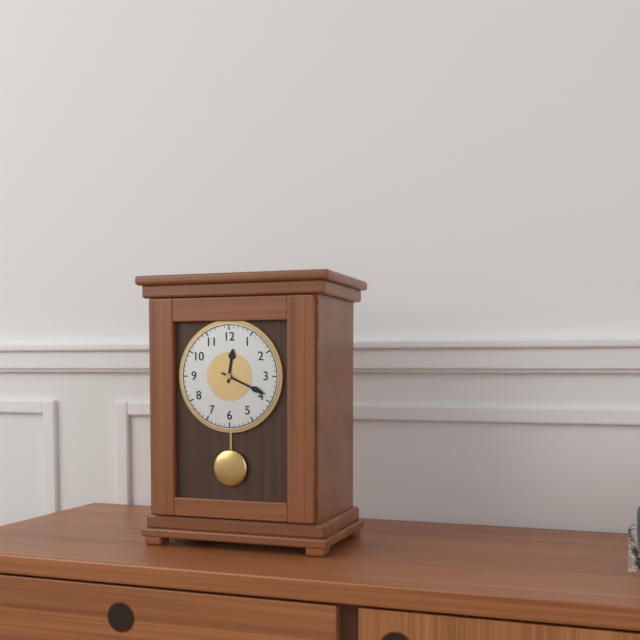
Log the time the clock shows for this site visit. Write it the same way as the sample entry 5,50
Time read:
12,19
